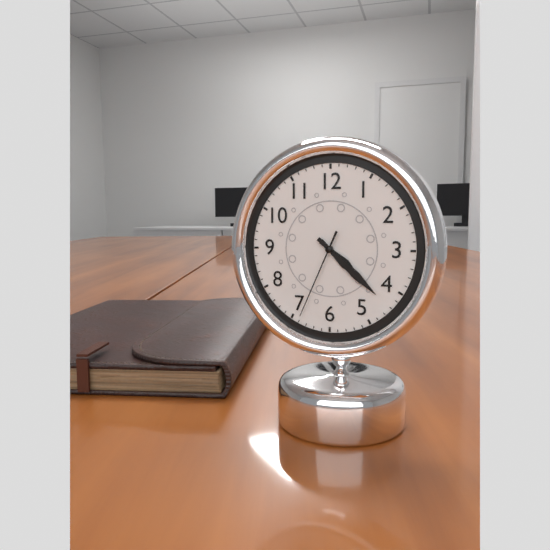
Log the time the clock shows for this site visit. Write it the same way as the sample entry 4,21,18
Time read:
4,22,34
